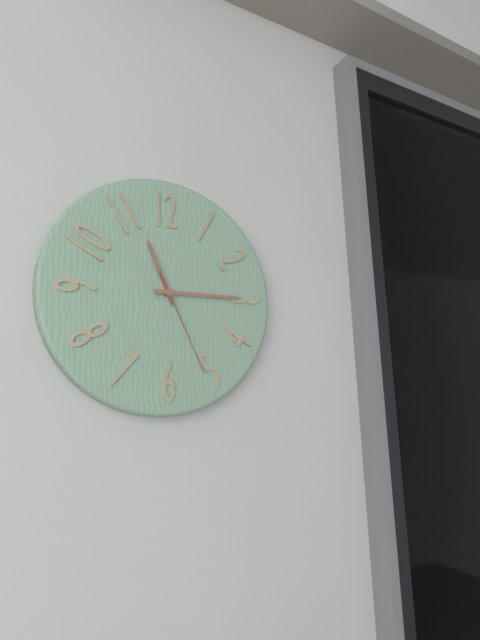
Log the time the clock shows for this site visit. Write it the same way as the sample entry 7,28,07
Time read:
11,15,26
